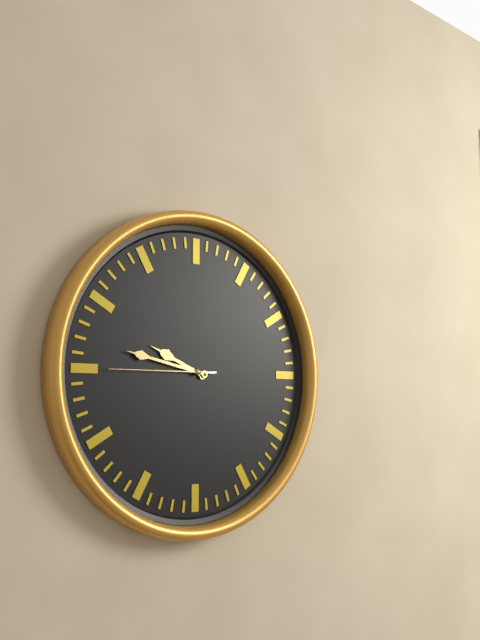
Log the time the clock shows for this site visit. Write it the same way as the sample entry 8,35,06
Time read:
9,47,45
